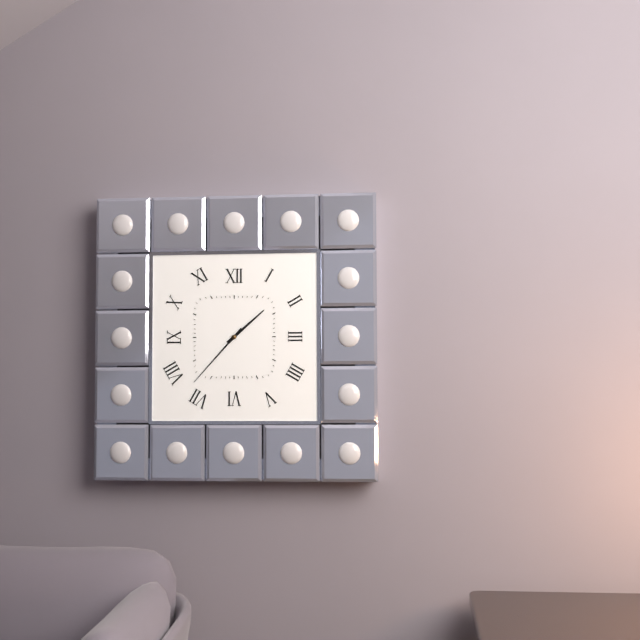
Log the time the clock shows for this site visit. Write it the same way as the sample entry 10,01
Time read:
1,37
